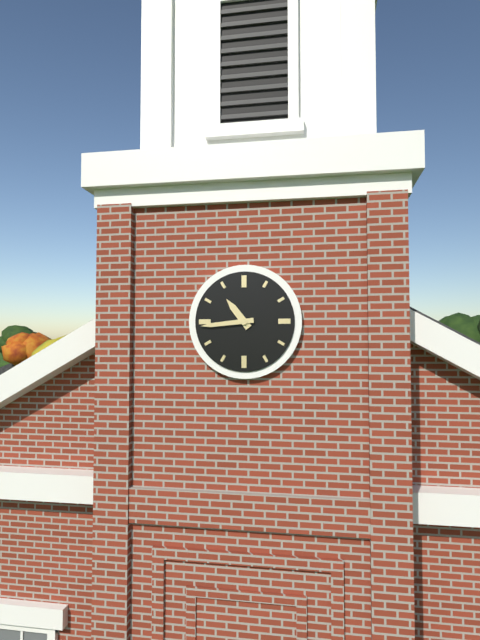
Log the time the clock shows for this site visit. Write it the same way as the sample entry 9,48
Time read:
10,44
